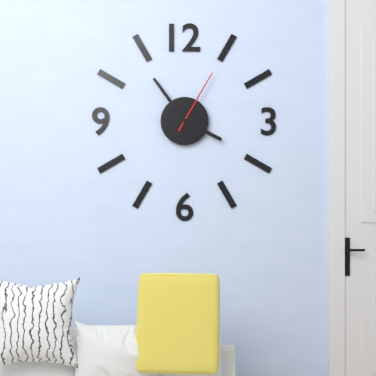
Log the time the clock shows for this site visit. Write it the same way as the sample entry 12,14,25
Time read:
3,54,05
